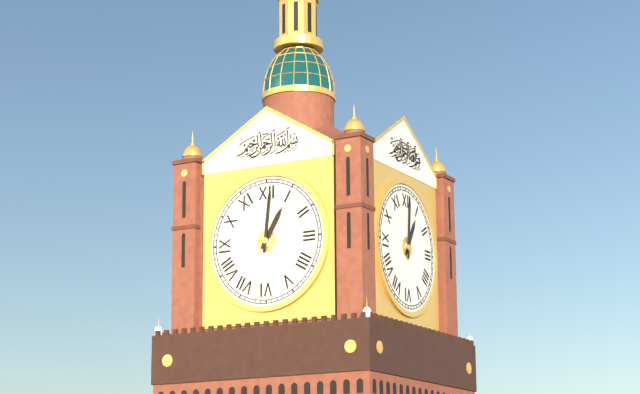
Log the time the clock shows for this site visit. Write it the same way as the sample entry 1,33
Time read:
1,01
